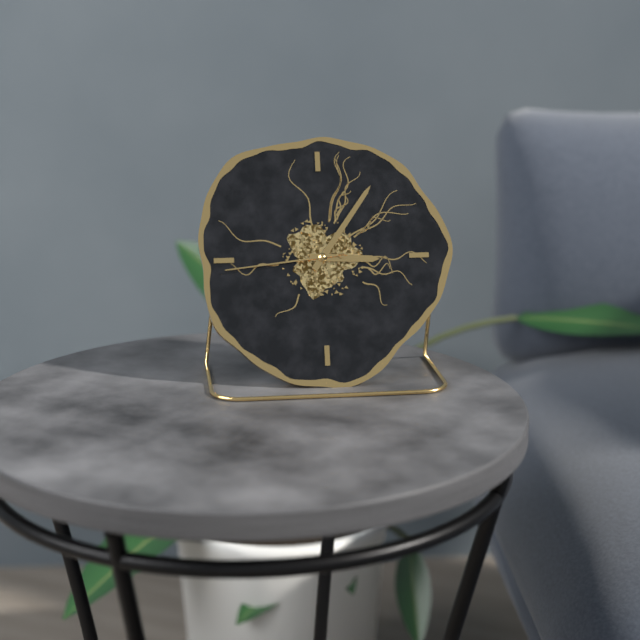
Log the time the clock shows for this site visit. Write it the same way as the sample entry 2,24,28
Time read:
3,06,44
